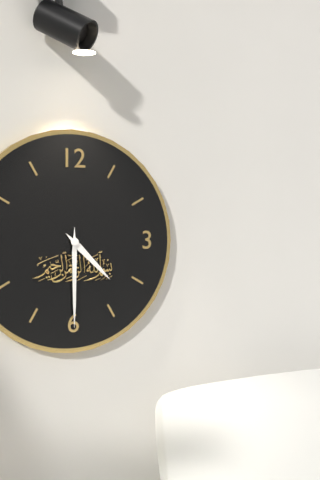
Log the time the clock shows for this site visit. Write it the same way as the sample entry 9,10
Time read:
4,30
